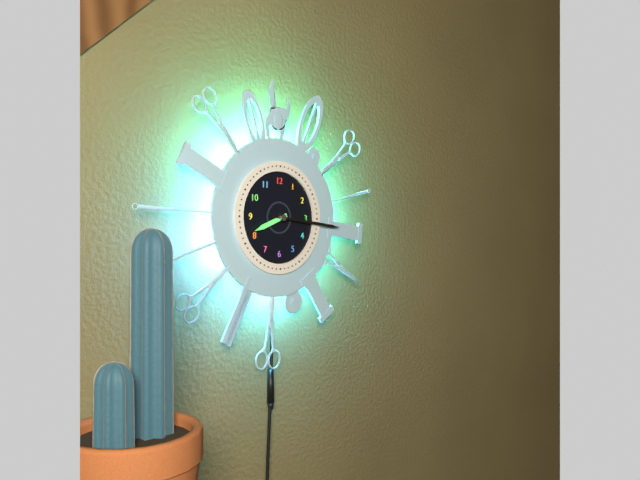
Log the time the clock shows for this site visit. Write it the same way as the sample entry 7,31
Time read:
8,16
